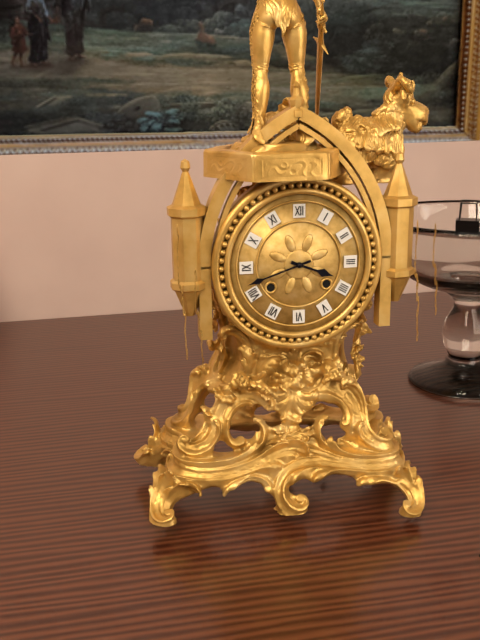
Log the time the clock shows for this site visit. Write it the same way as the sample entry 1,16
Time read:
3,42
